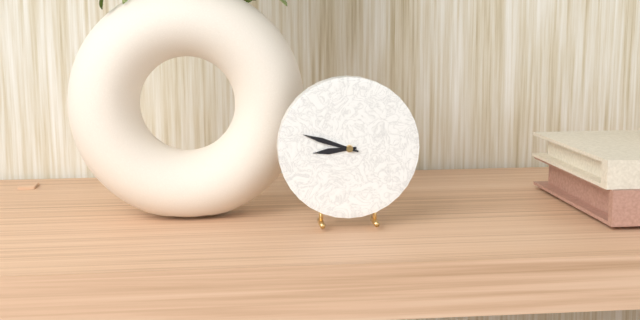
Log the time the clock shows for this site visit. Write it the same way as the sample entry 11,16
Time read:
8,48
